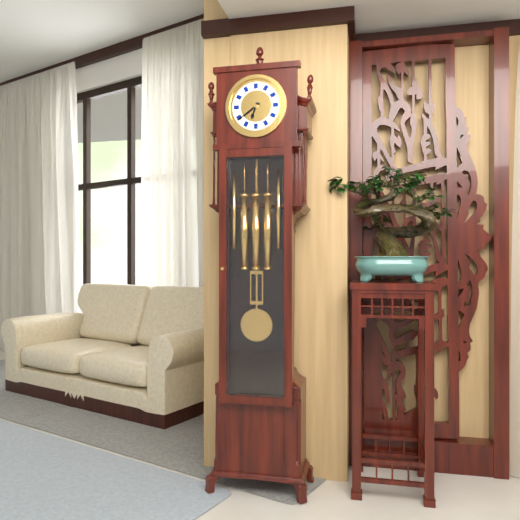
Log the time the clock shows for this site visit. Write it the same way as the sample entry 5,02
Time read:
6,39
